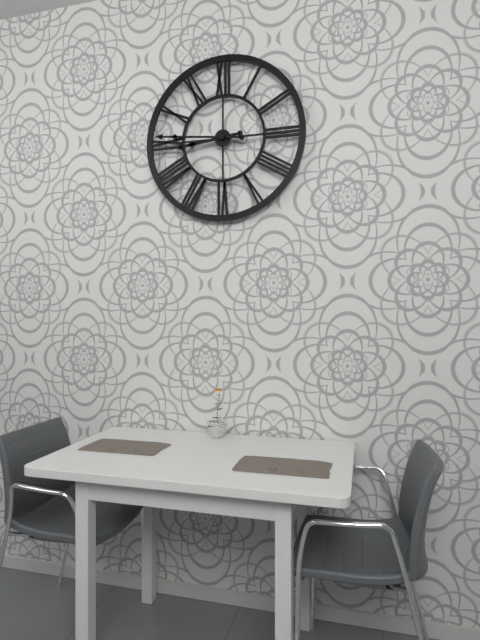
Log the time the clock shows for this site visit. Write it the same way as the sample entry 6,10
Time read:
8,46
